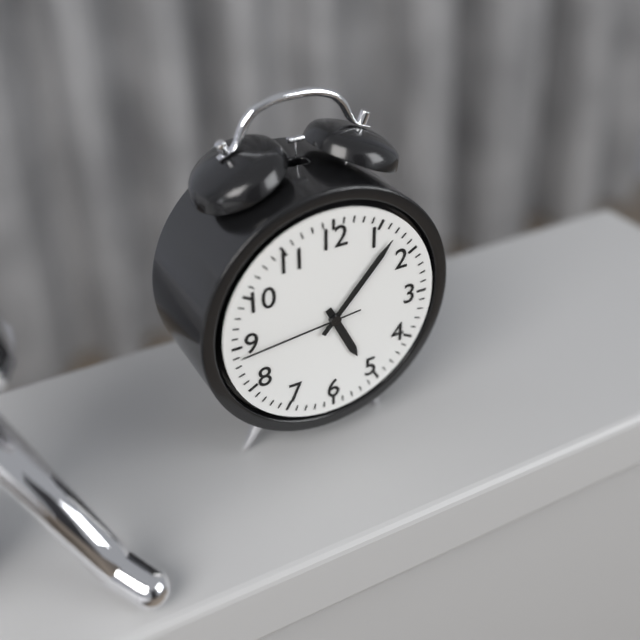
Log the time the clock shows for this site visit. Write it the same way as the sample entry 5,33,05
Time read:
5,07,44
